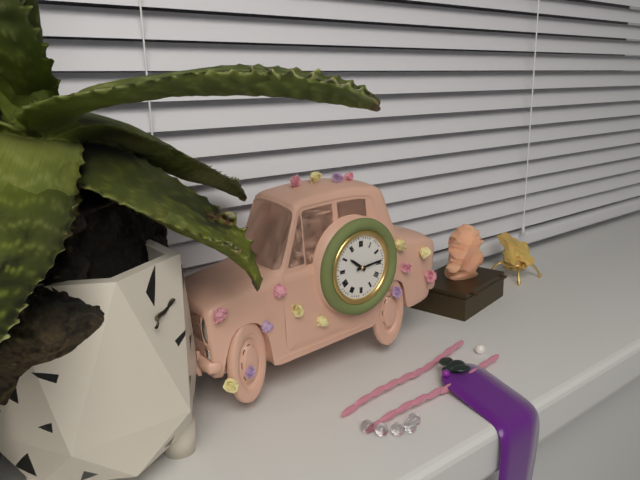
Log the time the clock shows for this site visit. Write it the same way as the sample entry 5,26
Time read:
10,14
